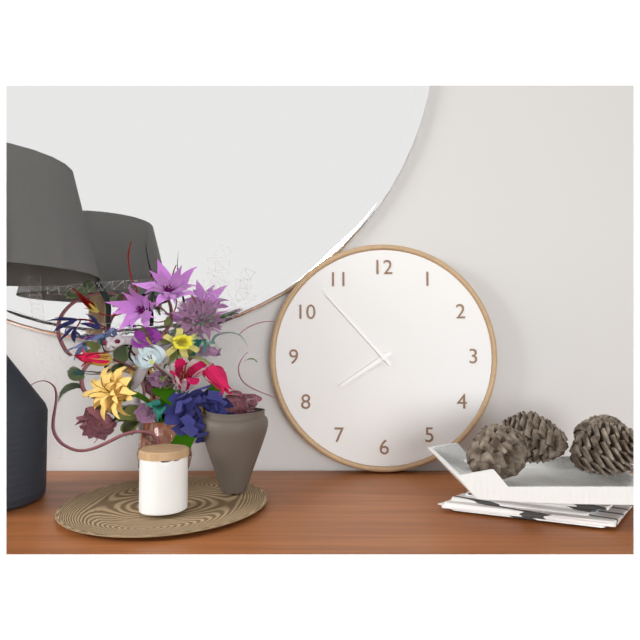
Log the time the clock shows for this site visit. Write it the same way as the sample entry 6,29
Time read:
7,53
